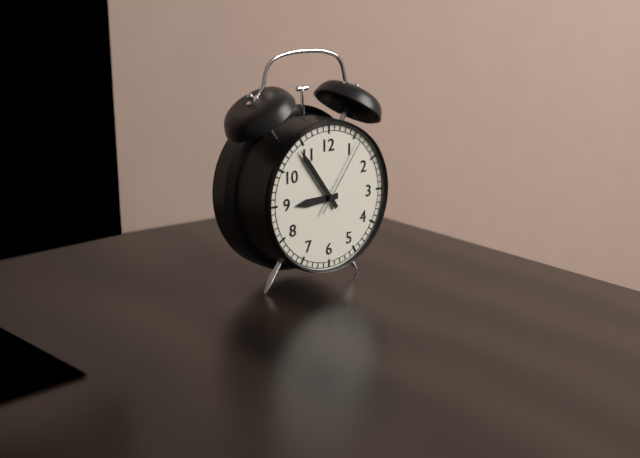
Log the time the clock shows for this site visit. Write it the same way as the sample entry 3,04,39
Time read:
8,54,06
